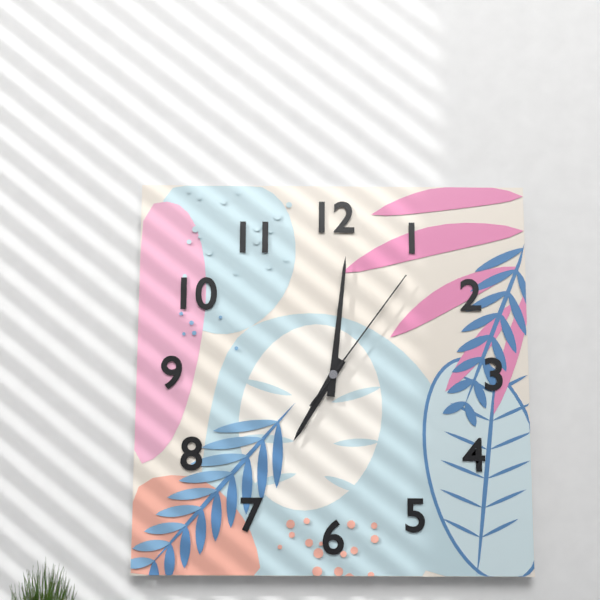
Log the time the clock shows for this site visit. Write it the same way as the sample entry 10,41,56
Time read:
7,01,06
